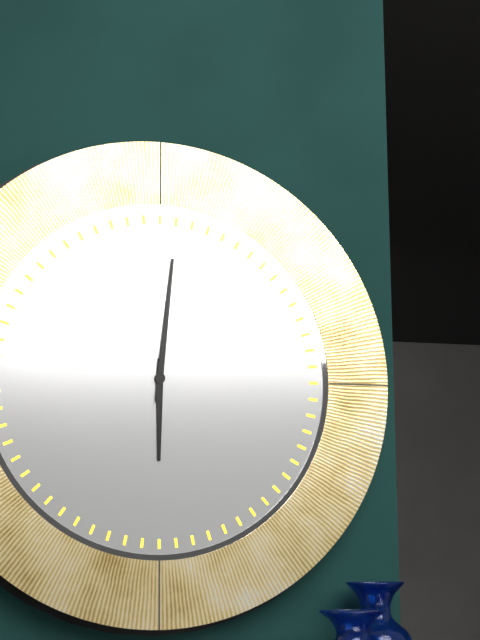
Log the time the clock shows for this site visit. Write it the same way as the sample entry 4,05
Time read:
6,01
